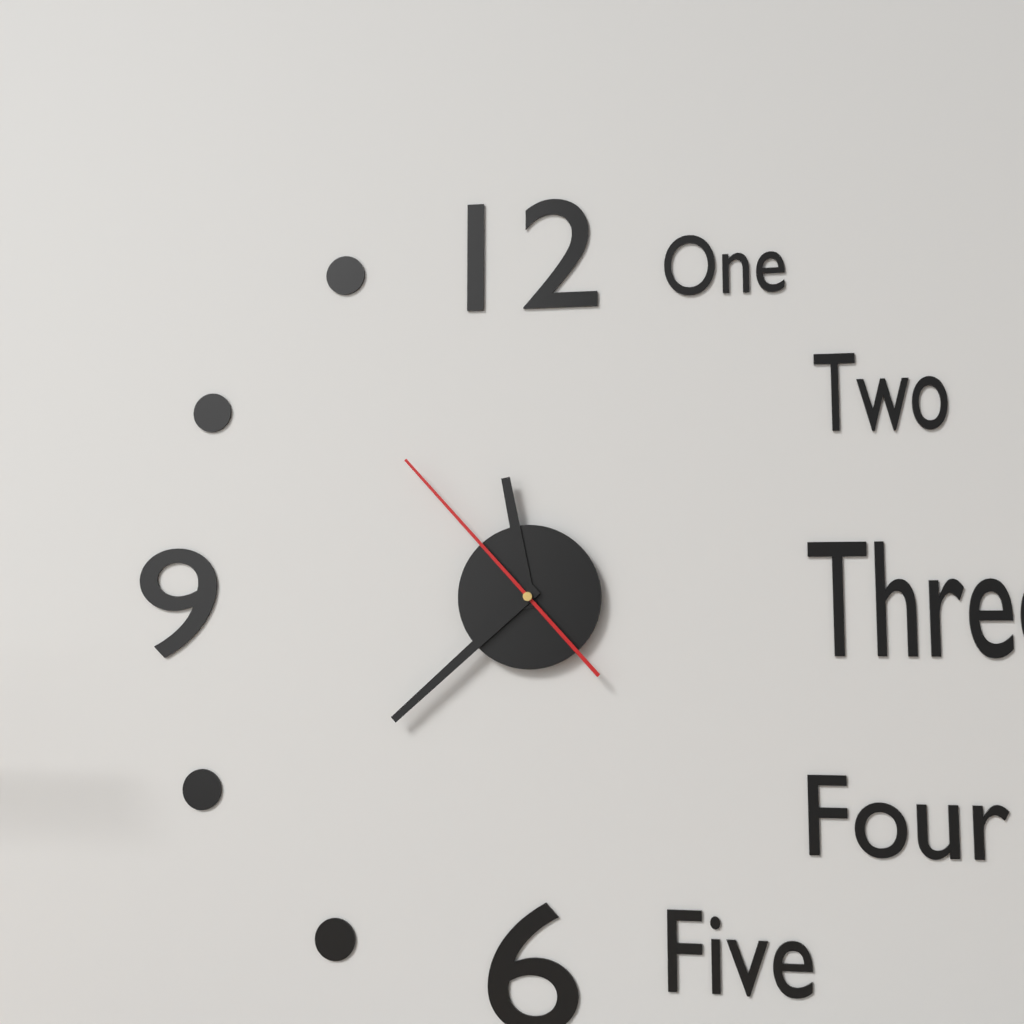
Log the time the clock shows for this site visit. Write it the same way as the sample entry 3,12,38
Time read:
11,38,53
